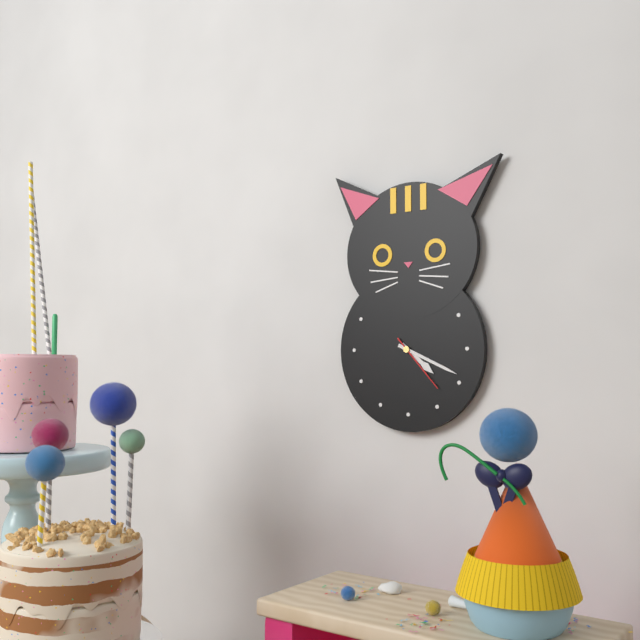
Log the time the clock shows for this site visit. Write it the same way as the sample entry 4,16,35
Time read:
4,19,23
